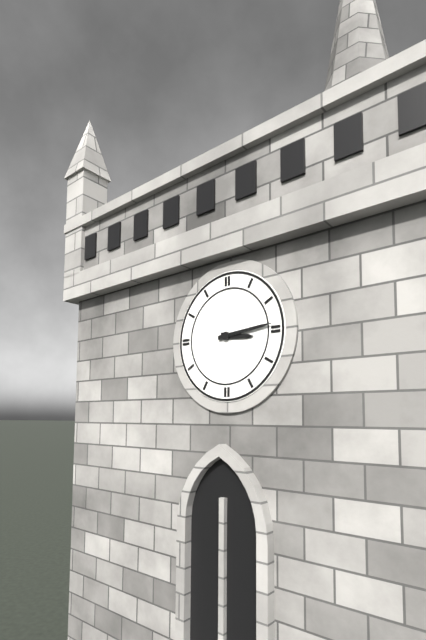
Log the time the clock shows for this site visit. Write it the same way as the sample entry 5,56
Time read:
3,14
